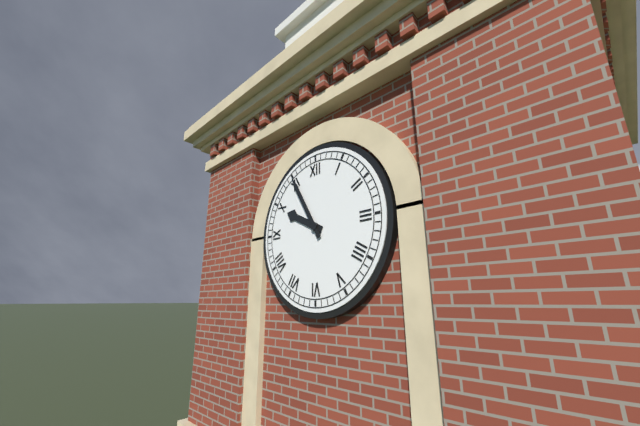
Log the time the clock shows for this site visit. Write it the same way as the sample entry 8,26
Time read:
9,55
